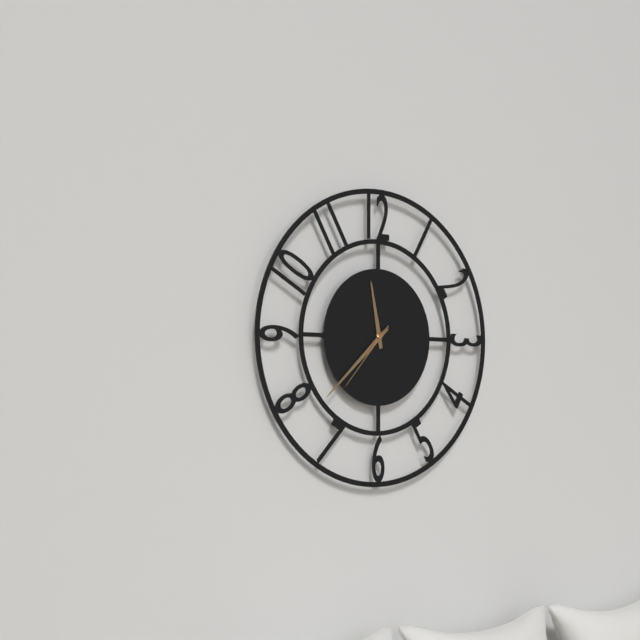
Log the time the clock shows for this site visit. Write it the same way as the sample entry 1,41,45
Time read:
11,38,37
